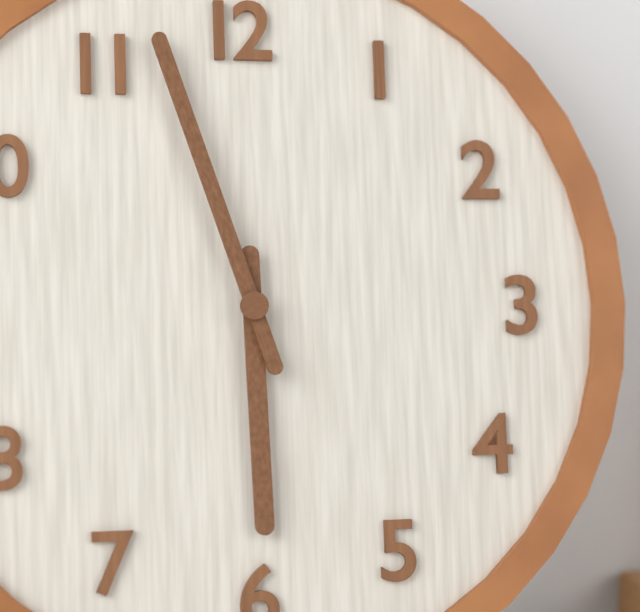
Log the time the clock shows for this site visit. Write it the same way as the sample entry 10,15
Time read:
5,57
